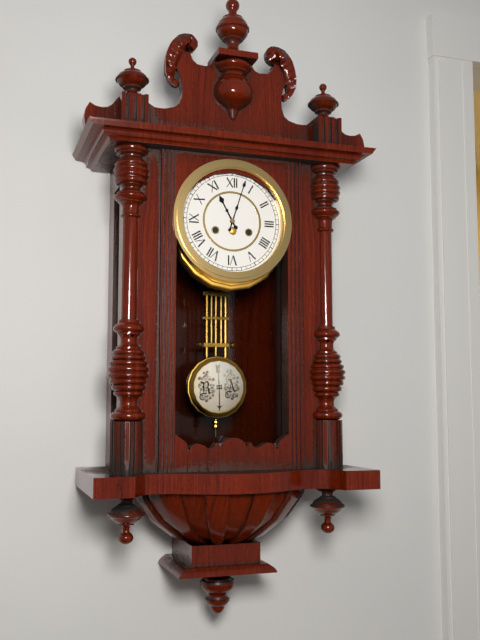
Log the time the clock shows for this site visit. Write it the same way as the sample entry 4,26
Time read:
11,03
